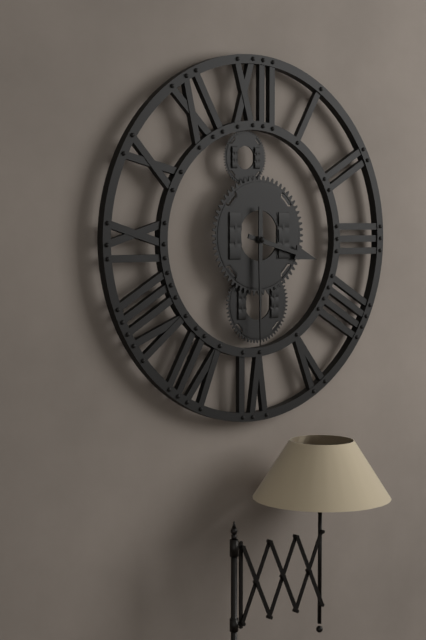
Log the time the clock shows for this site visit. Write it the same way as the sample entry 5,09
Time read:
3,30
